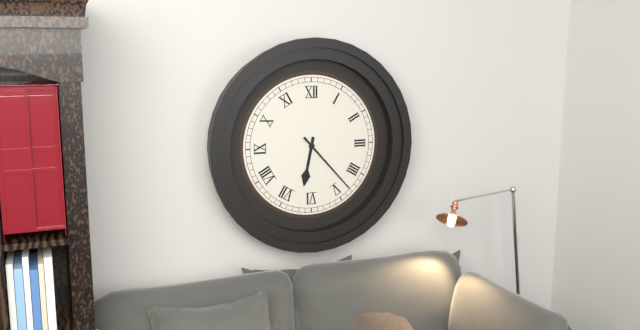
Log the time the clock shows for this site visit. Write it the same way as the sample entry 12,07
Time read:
6,23
